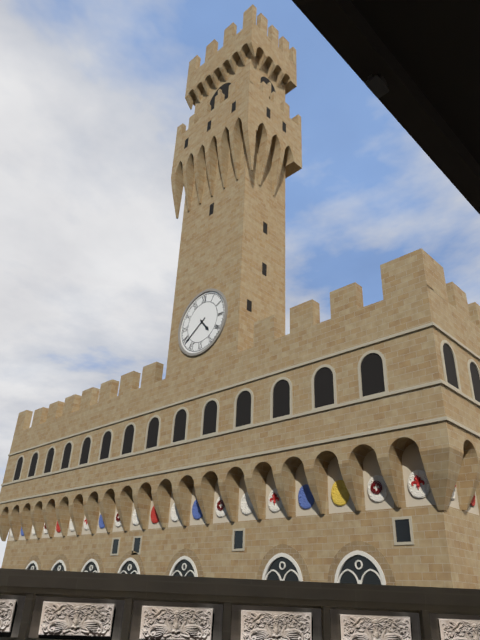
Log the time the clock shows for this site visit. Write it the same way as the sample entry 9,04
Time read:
4,39
